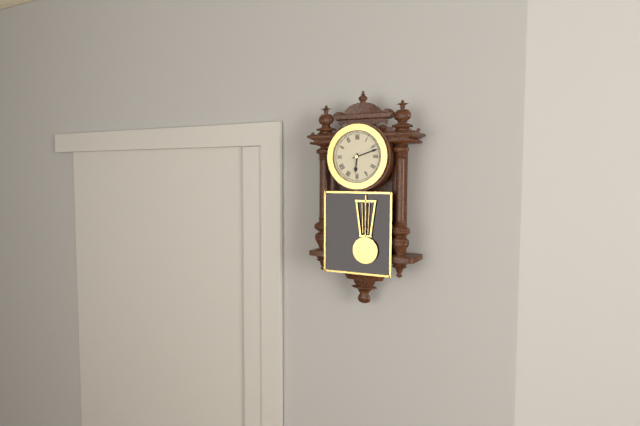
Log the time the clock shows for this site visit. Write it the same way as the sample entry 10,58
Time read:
6,12
